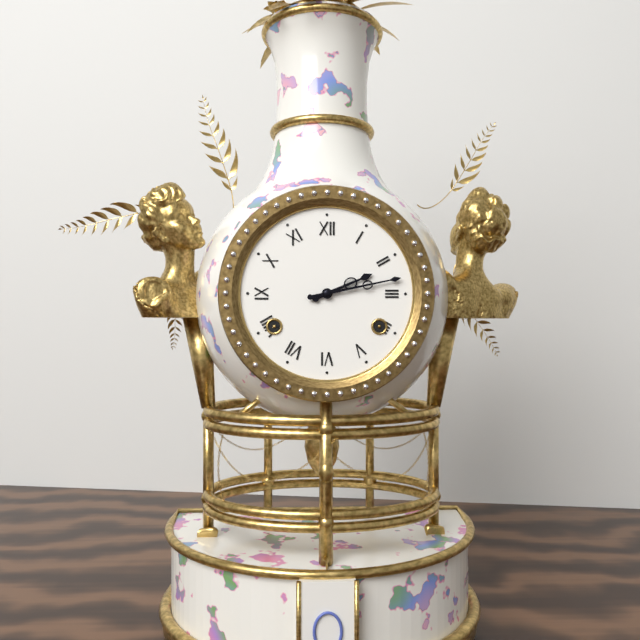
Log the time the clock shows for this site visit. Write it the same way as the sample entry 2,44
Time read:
2,13
